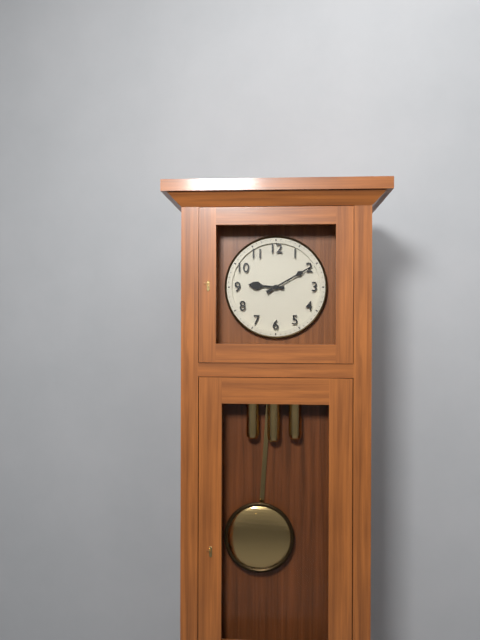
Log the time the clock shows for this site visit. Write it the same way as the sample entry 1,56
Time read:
9,10
